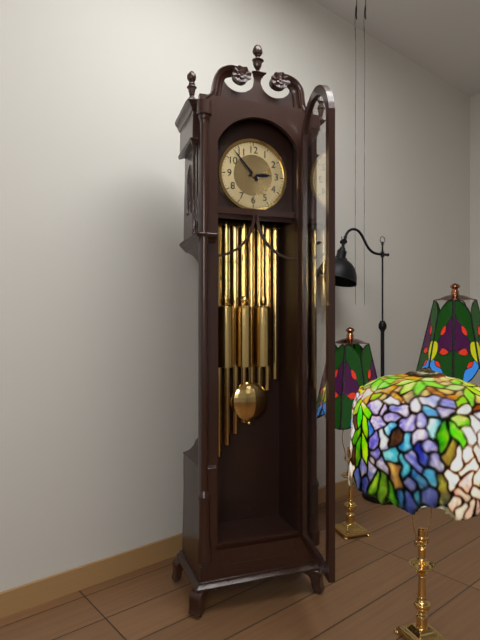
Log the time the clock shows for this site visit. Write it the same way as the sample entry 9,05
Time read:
2,53
